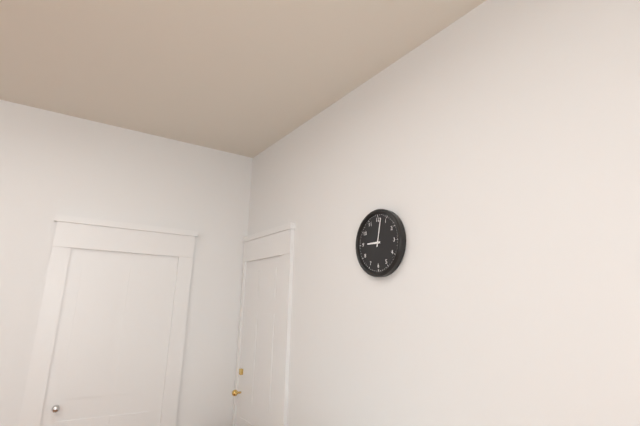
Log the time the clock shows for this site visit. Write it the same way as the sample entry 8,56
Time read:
9,02
